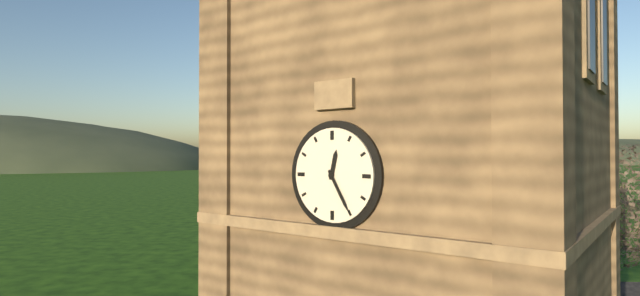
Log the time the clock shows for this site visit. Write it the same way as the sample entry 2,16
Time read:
12,25
